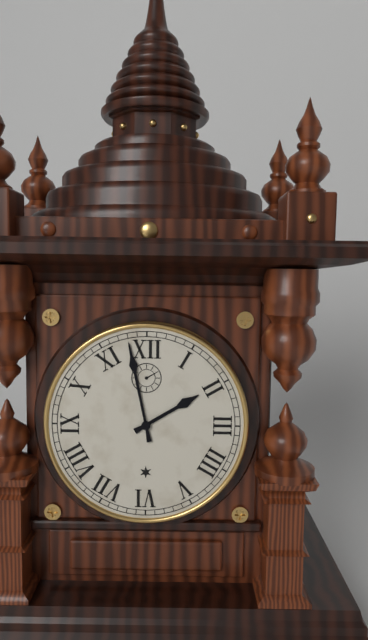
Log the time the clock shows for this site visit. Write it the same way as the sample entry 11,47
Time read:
1,58
